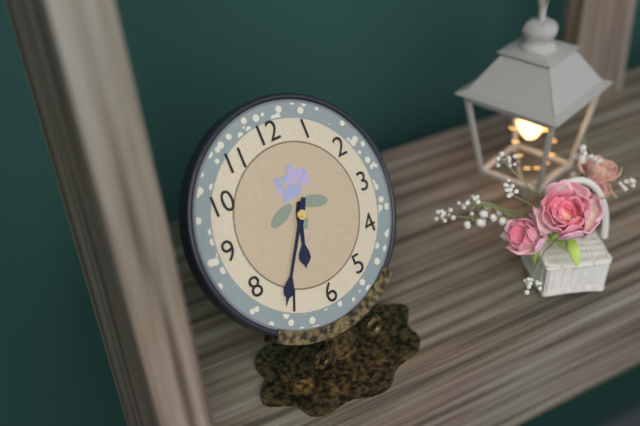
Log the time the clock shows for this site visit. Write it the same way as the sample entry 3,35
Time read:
6,36
